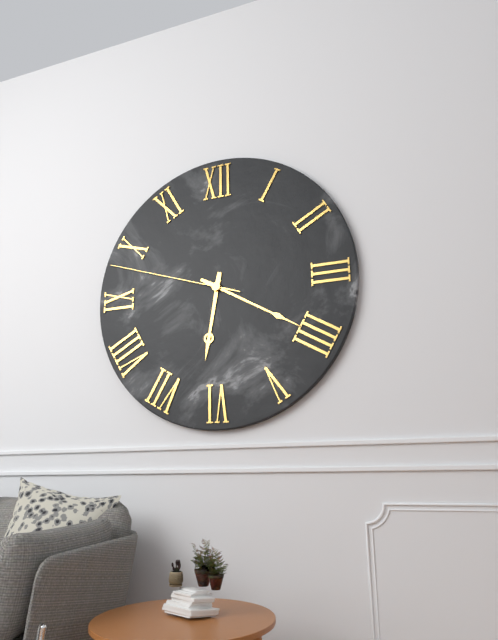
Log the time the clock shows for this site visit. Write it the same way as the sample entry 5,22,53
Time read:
6,20,48
